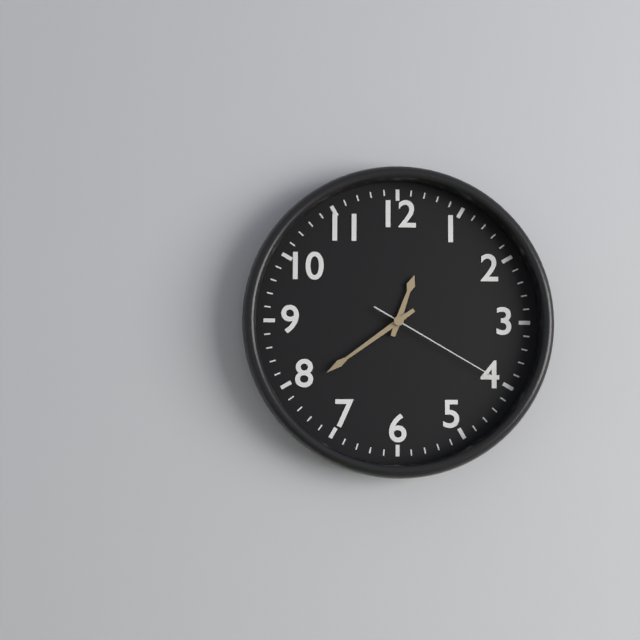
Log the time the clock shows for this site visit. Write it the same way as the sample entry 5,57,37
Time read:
12,39,20
